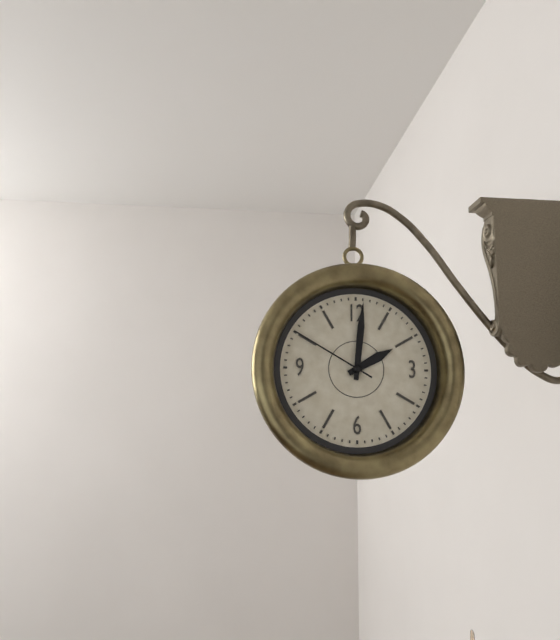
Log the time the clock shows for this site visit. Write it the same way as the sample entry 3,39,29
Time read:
2,01,50
